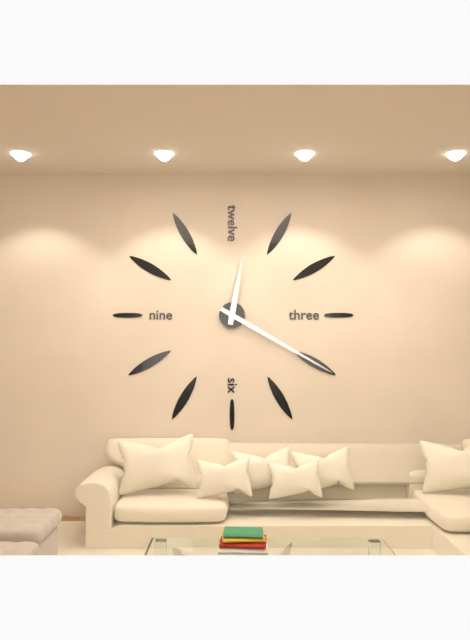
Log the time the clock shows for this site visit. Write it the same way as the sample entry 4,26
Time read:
12,20
